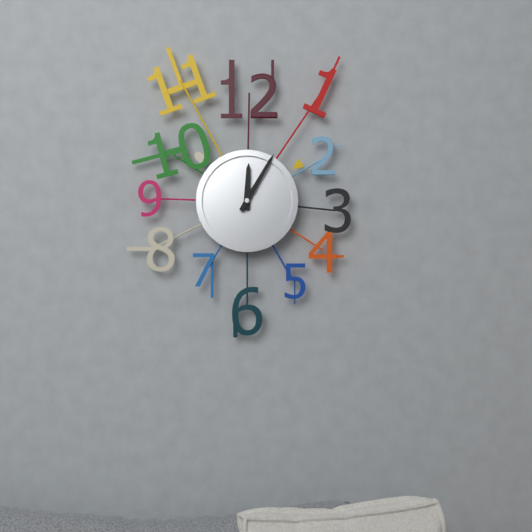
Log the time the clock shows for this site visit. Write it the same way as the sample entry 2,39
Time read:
12,05
